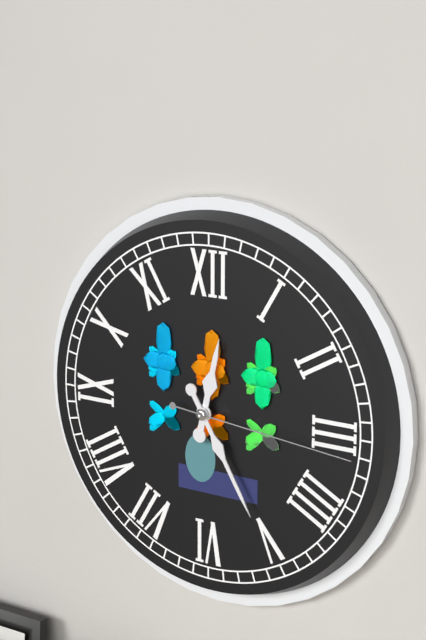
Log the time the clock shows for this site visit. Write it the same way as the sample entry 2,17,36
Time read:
12,25,16
